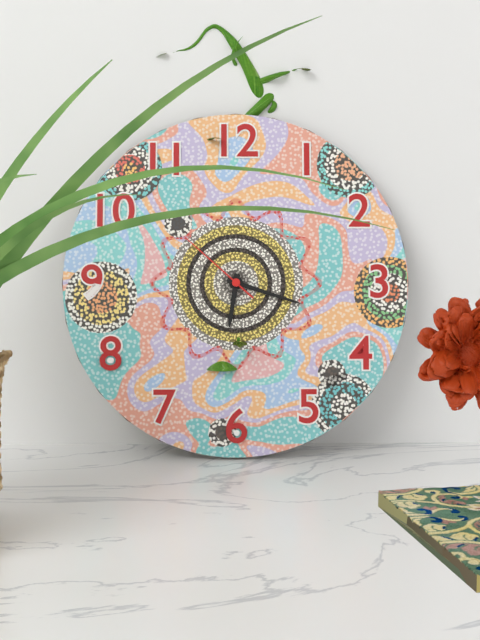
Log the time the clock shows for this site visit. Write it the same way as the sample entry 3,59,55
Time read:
6,18,52
